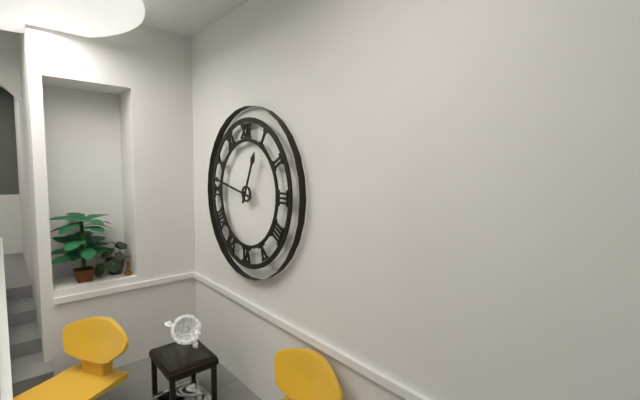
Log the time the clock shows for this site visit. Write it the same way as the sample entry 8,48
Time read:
12,47
